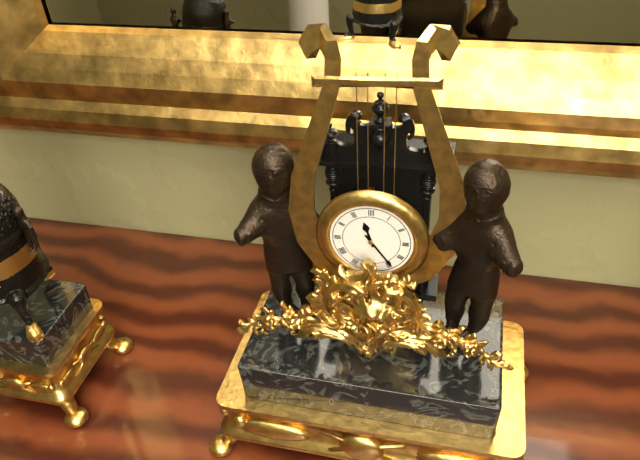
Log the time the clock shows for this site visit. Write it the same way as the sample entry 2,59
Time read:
11,24
